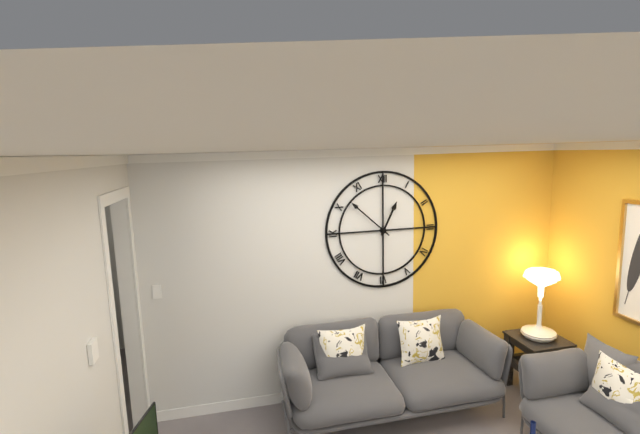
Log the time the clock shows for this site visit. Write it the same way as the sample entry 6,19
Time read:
12,52
